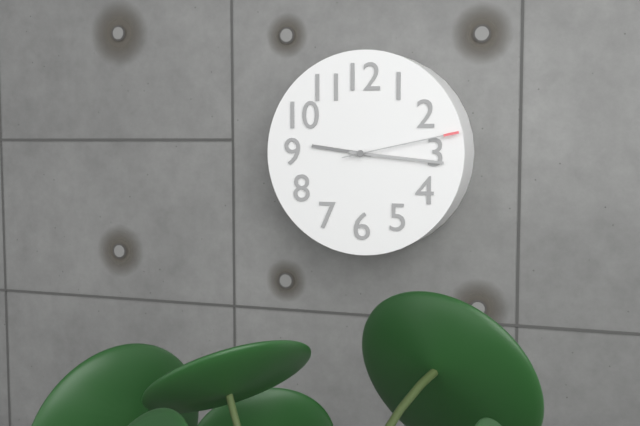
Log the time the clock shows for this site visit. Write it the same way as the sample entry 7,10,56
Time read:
9,16,13
